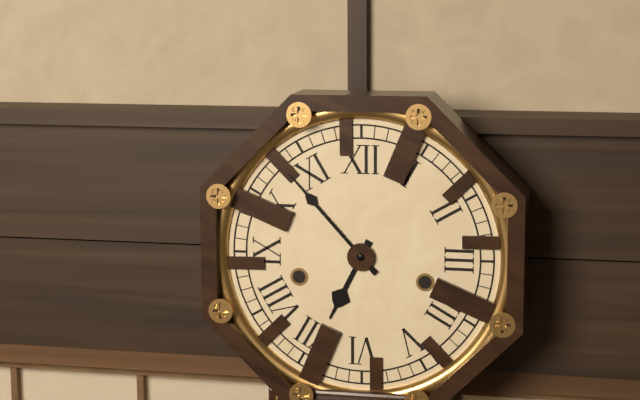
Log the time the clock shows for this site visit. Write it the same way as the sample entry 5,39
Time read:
6,53
